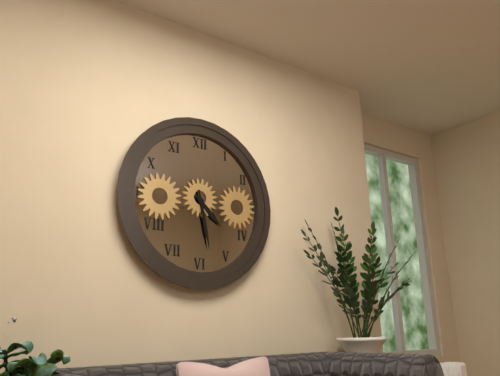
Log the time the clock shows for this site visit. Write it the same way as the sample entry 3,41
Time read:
4,28
